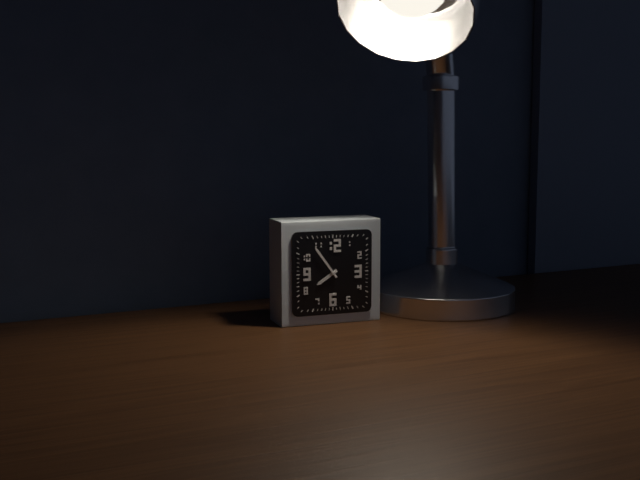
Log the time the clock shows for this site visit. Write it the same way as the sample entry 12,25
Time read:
7,54
